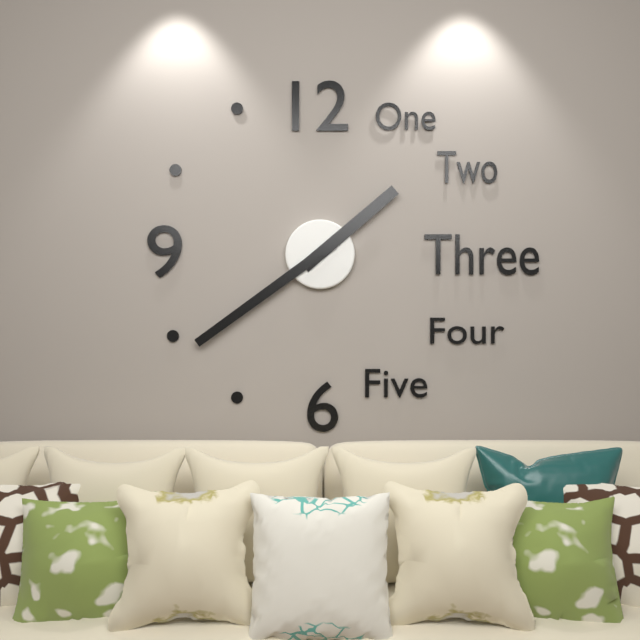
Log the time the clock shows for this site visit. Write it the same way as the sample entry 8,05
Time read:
1,39
